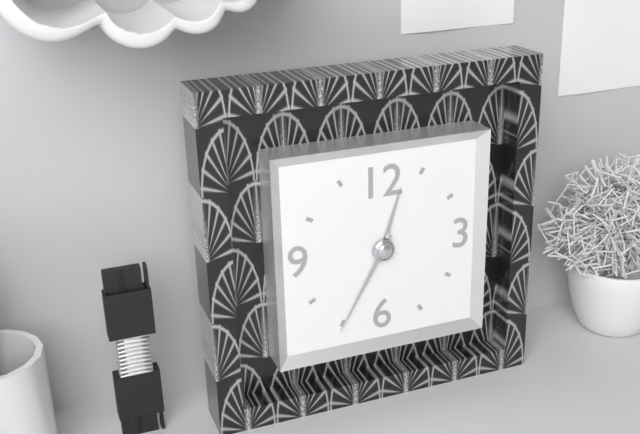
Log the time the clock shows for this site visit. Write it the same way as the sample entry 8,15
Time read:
12,35
